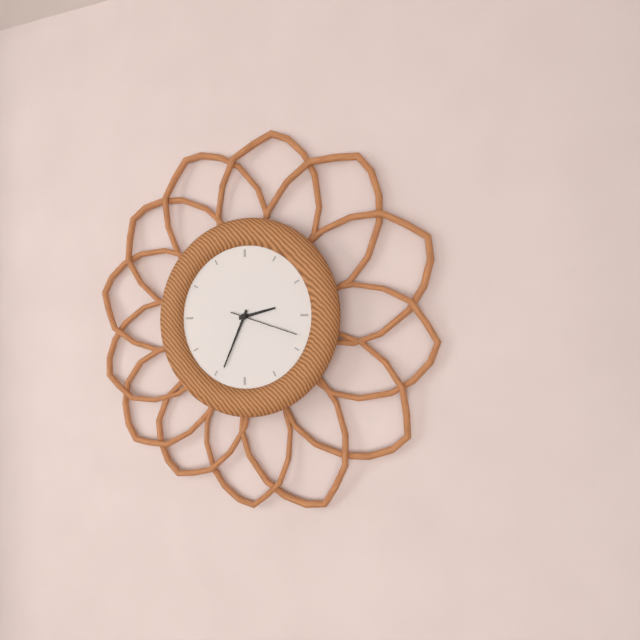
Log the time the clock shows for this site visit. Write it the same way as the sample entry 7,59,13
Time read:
2,34,18
